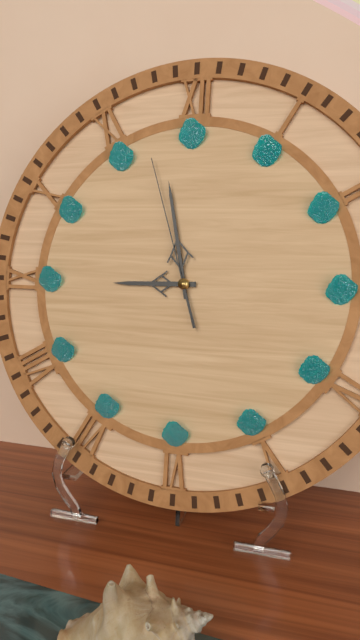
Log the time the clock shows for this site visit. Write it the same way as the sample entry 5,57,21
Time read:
8,58,57
